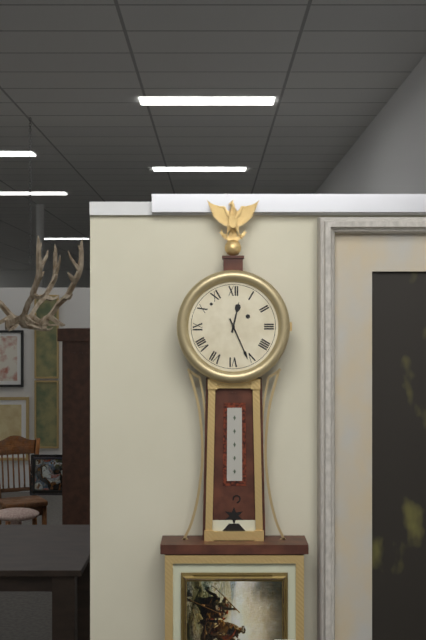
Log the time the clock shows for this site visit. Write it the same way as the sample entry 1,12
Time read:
12,26
